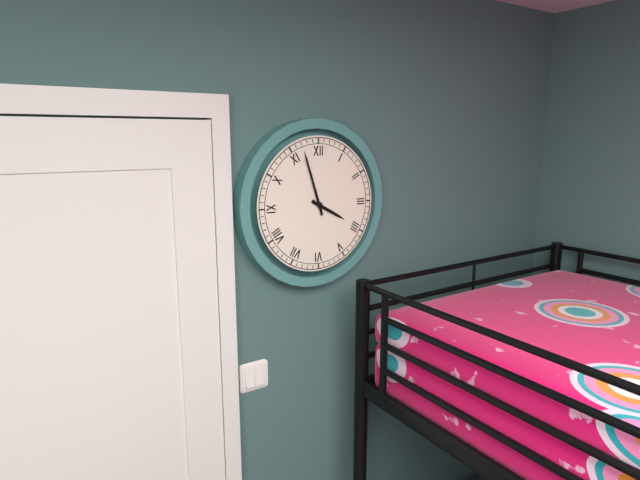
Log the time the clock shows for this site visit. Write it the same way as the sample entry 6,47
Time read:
3,57
